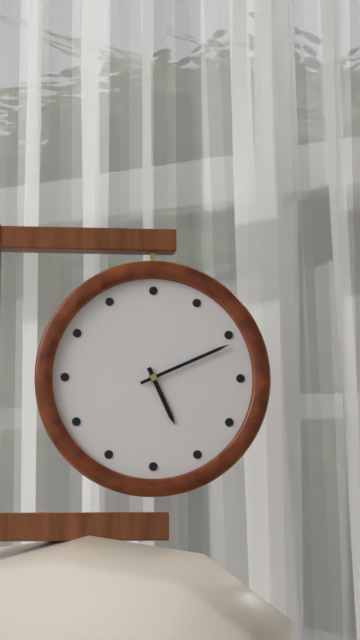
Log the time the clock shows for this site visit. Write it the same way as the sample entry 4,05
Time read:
5,11
